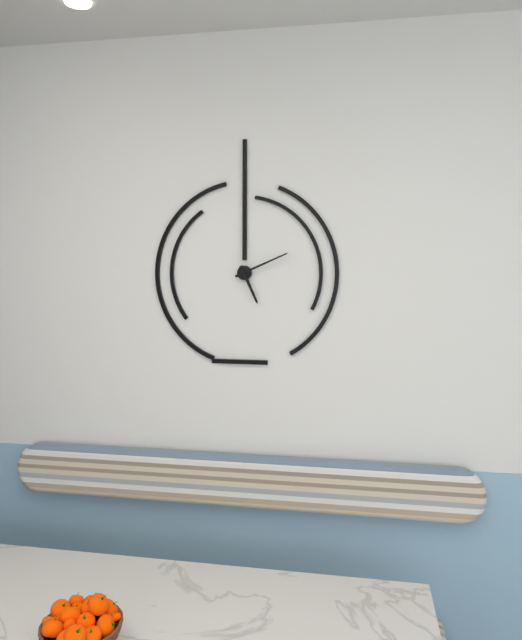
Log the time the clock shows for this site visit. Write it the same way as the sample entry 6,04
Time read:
5,11
